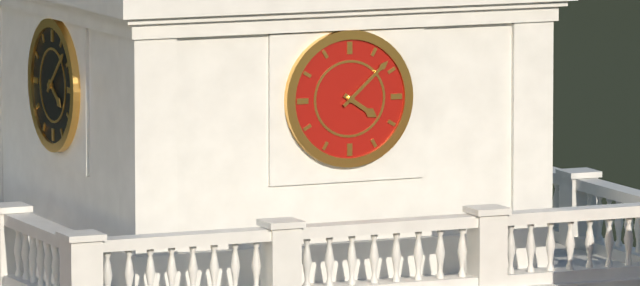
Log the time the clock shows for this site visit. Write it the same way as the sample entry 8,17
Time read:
4,08
